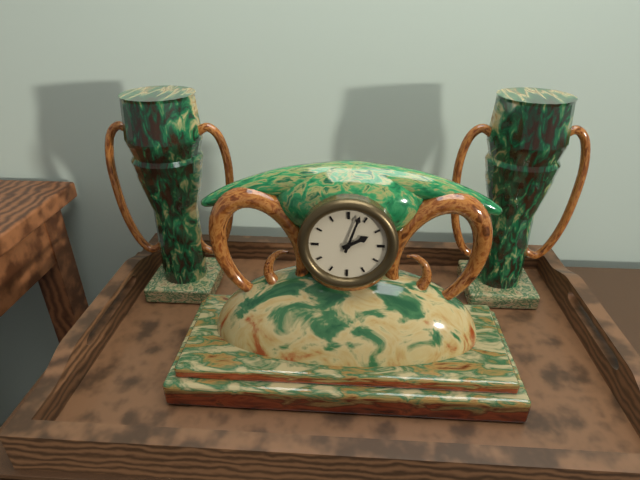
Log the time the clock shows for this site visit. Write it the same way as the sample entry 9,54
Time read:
2,03
